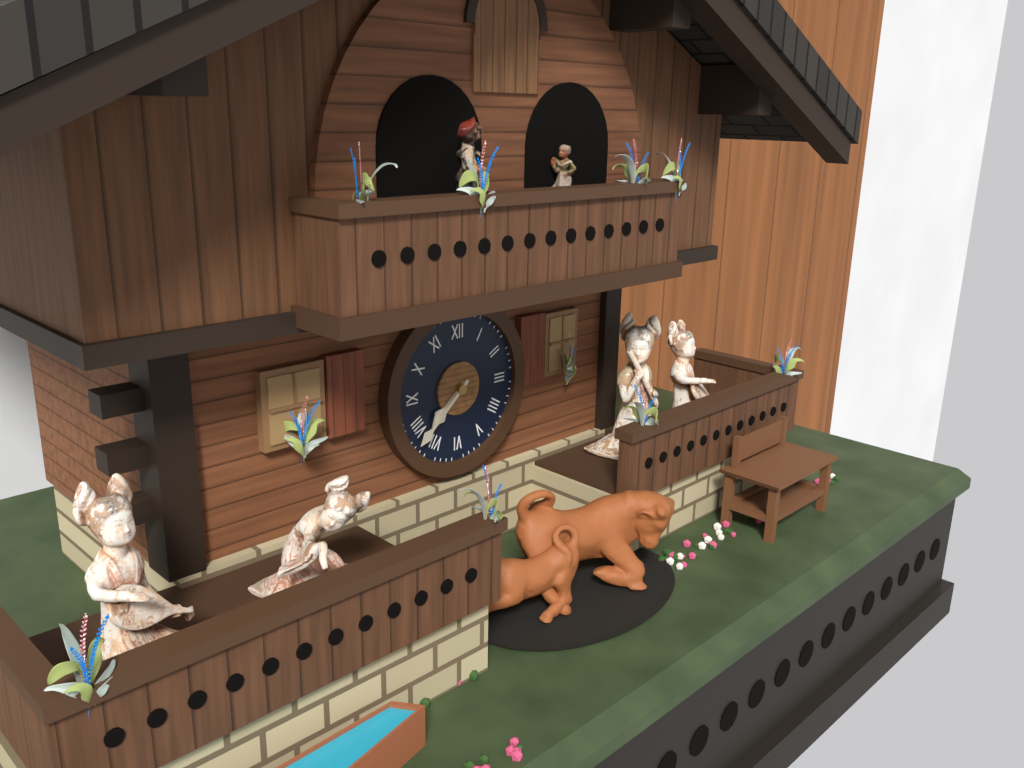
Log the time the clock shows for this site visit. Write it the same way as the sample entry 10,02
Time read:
7,38
